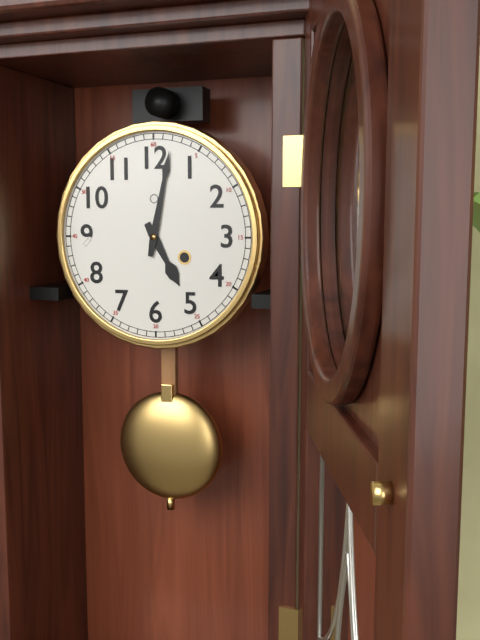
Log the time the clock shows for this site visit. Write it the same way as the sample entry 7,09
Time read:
5,02
